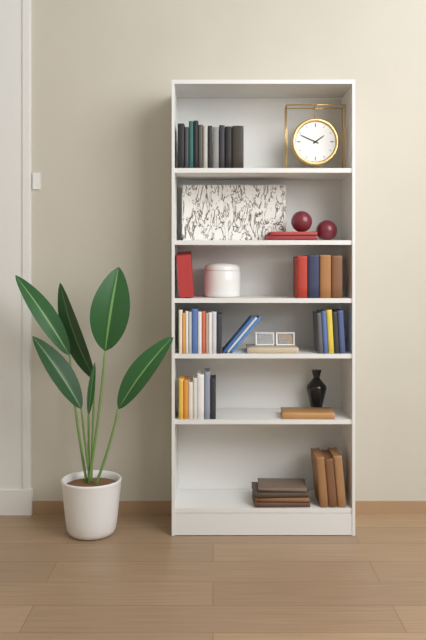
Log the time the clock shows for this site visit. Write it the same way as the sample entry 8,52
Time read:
1,49
